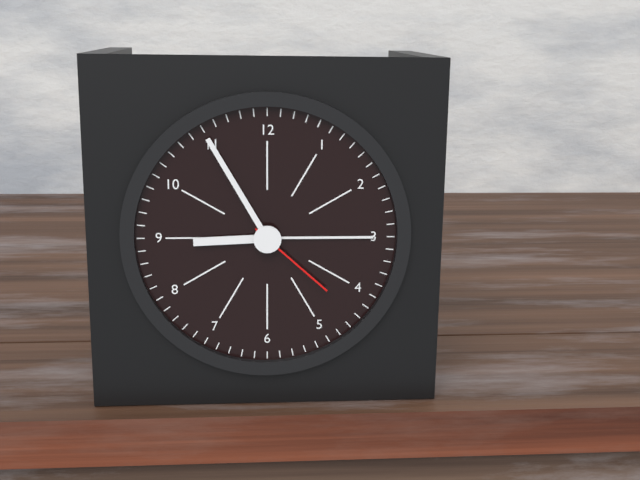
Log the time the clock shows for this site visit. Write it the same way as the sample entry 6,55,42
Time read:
8,55,22
